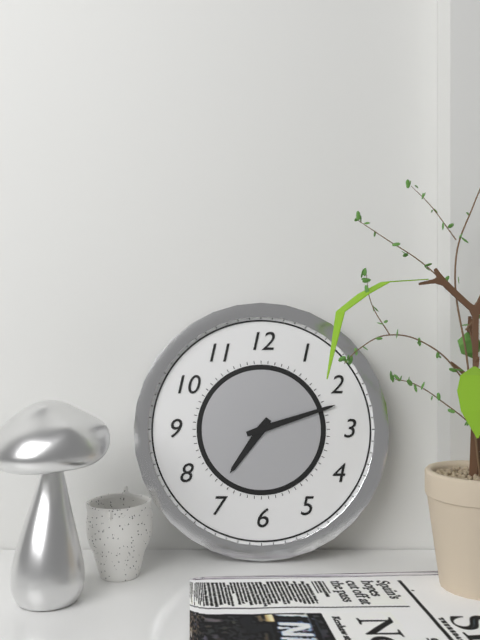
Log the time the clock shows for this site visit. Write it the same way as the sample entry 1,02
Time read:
7,12
